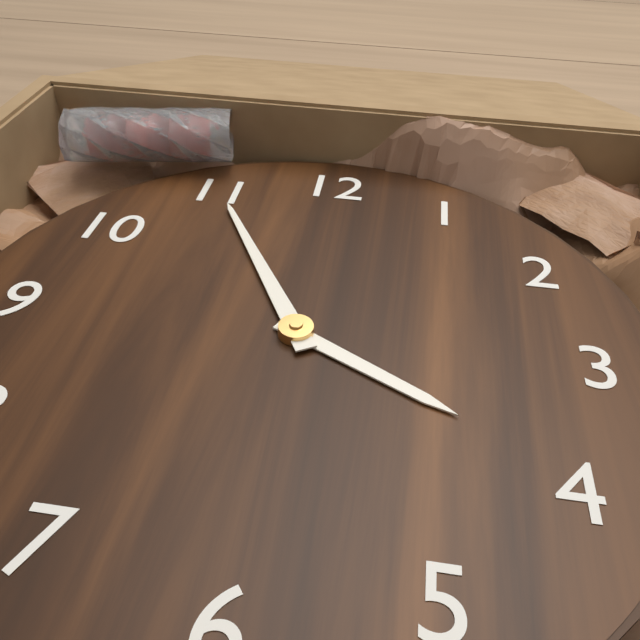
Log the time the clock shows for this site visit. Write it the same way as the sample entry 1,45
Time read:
3,55
